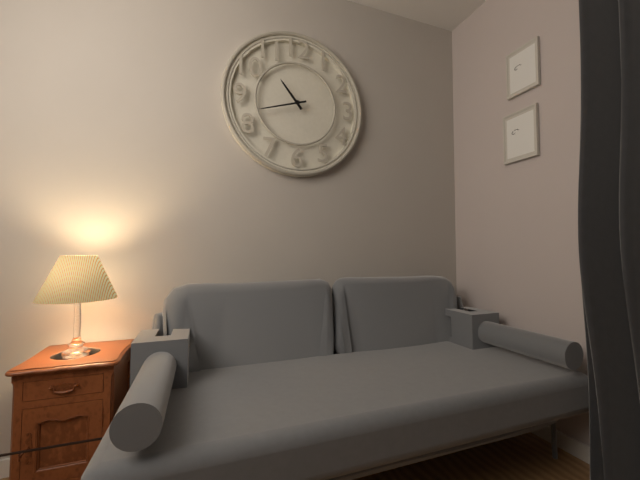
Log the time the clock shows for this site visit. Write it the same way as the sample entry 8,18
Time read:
10,42
